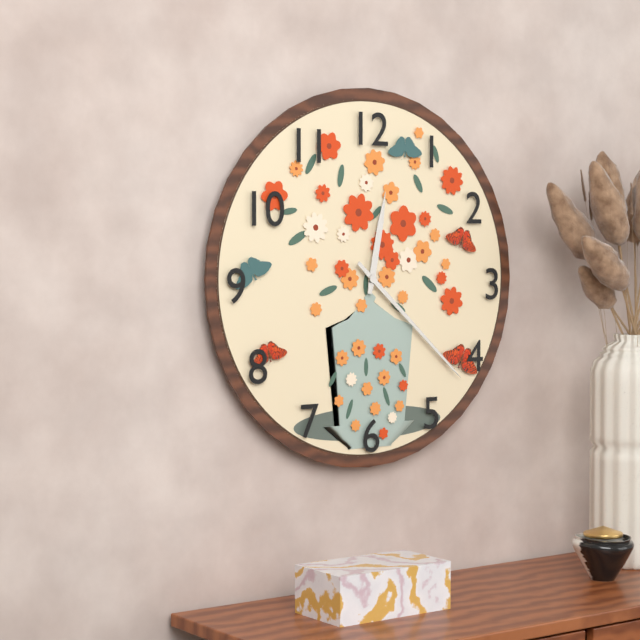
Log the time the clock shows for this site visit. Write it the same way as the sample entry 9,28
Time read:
12,22
